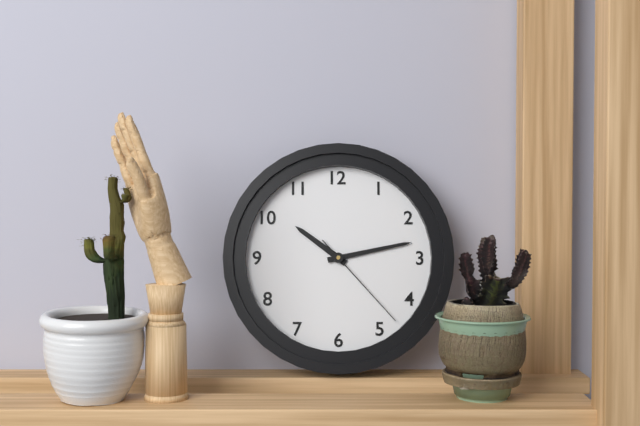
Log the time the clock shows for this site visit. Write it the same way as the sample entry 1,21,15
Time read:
10,13,23
